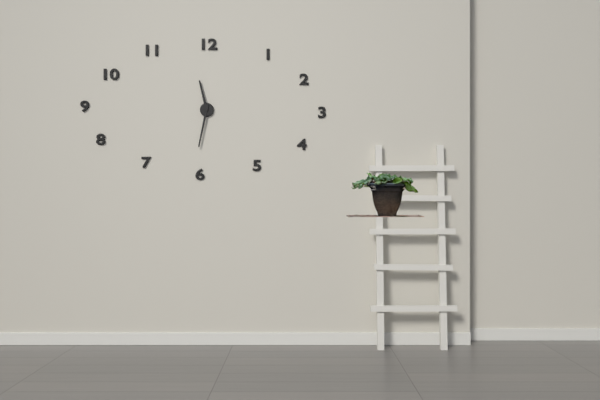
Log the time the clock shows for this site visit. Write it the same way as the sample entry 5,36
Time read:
11,32
